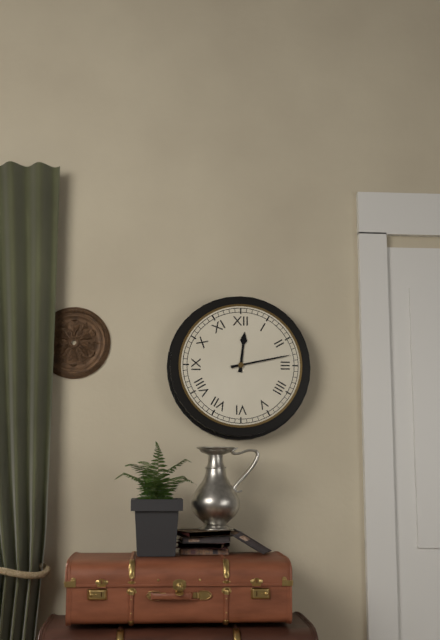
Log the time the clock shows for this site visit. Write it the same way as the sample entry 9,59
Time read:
12,13
